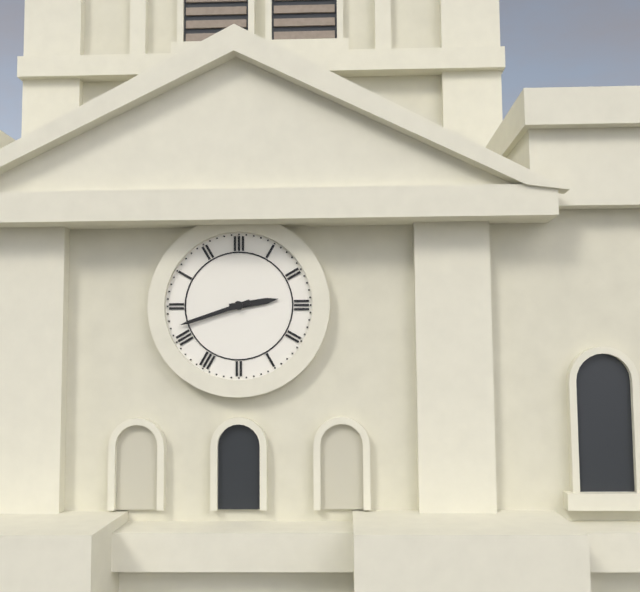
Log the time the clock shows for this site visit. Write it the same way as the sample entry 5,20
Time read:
2,42
